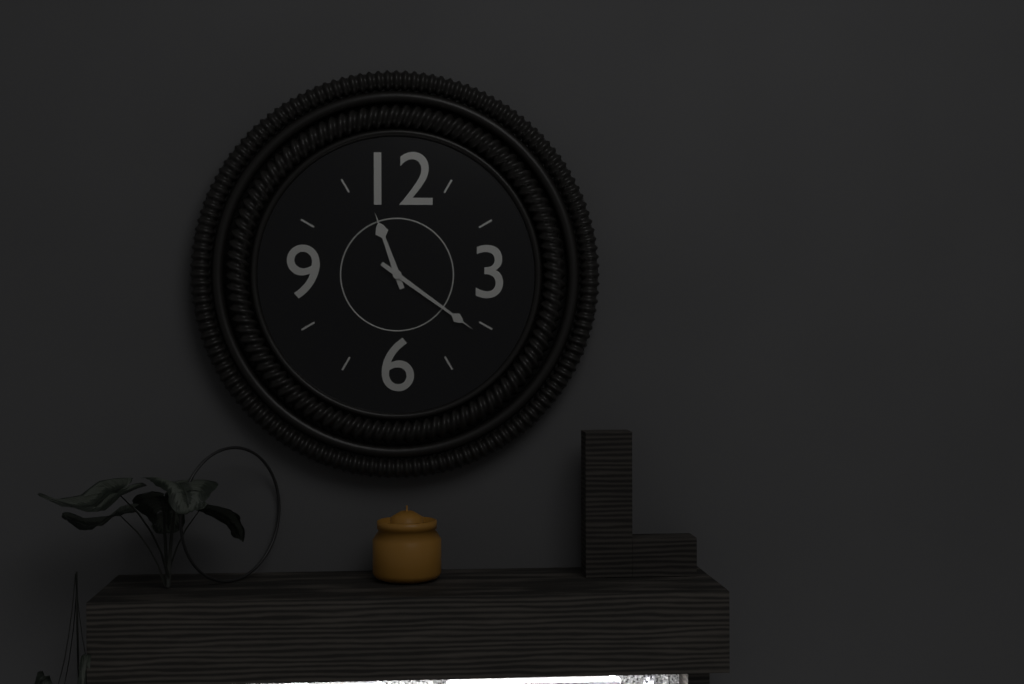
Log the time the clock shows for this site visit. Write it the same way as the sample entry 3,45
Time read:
11,21
